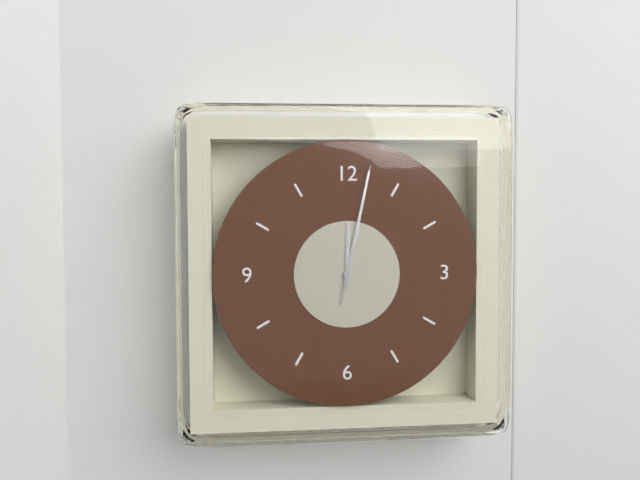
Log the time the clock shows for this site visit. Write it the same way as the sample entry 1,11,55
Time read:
12,02,02
